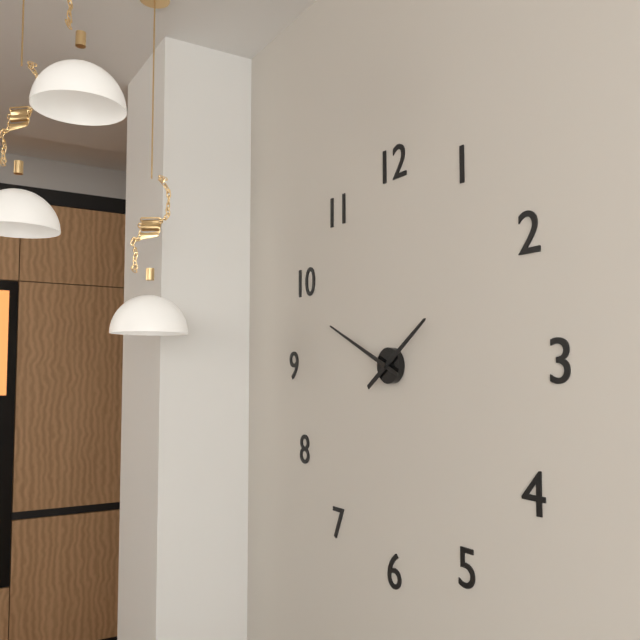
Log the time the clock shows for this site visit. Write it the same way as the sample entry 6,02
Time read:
1,49
